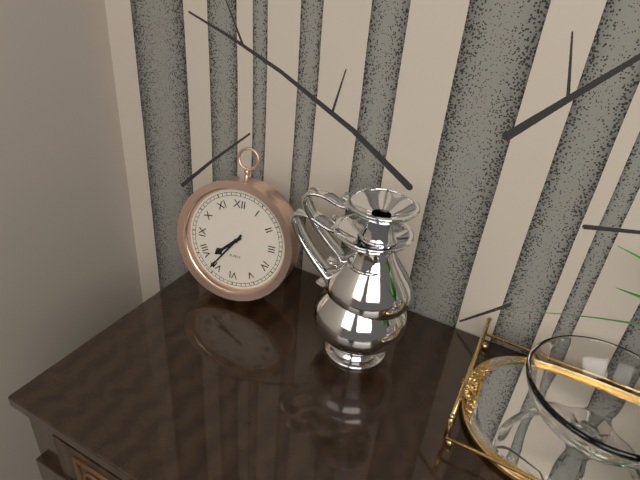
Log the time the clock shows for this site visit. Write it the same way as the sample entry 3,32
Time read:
7,36
